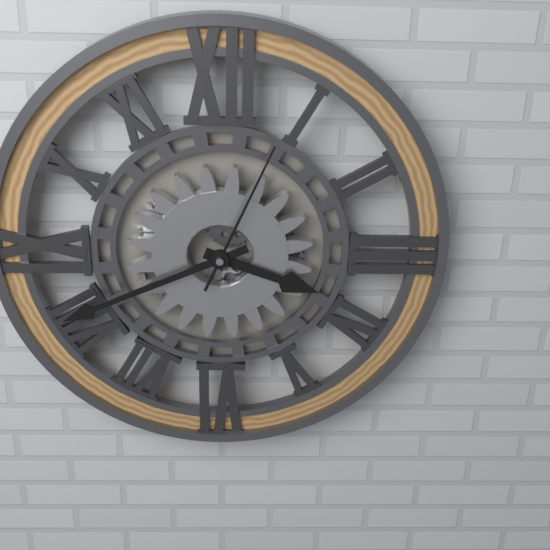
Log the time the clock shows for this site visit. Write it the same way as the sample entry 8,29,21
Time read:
3,41,04
